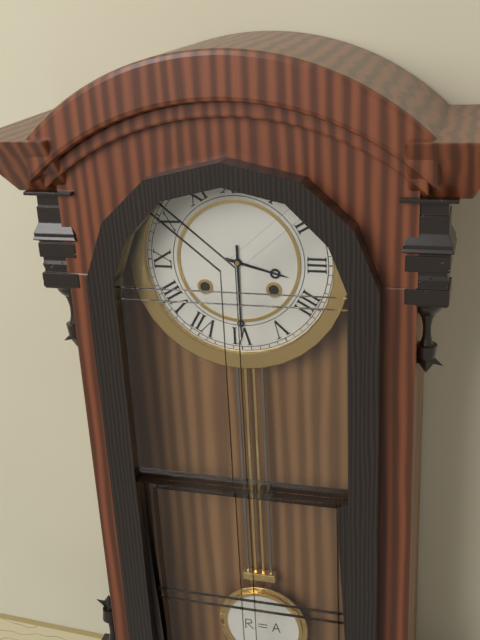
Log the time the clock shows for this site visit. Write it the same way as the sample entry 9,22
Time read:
3,30
